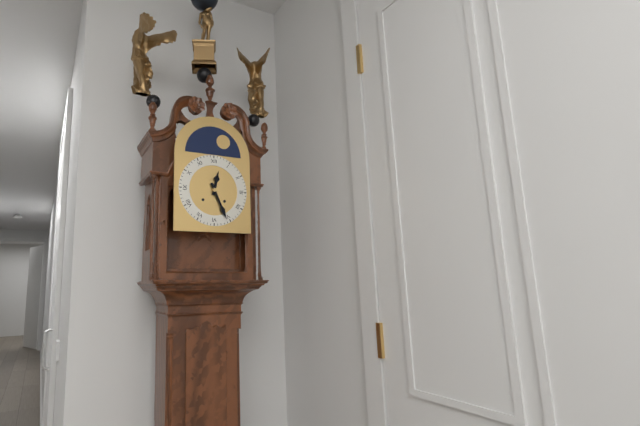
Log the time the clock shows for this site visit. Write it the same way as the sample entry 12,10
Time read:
12,26
